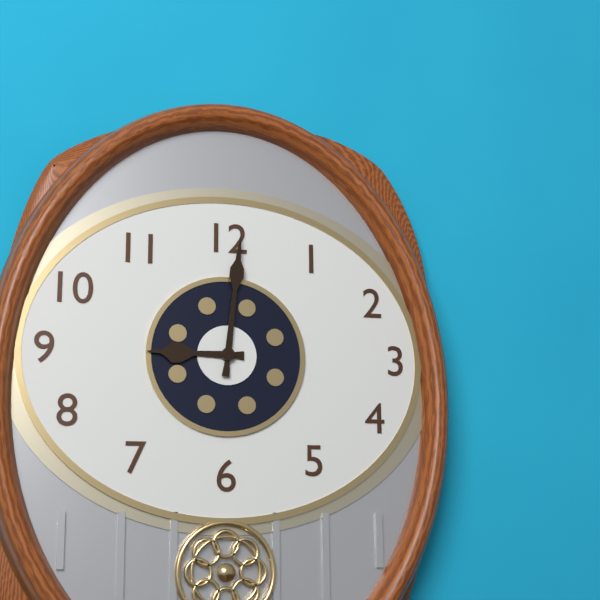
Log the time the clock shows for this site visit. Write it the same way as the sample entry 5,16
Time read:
9,01
